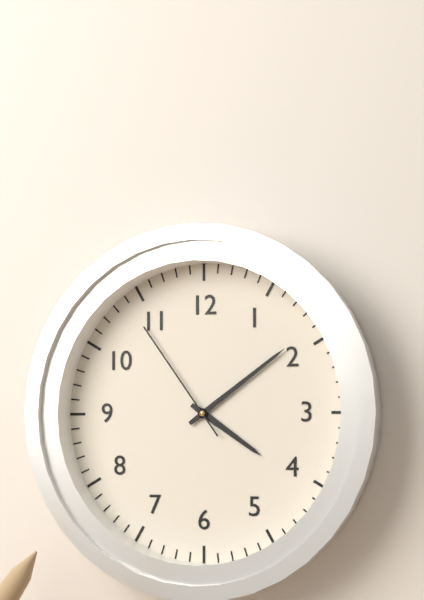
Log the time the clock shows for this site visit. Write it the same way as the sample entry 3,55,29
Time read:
4,09,54
